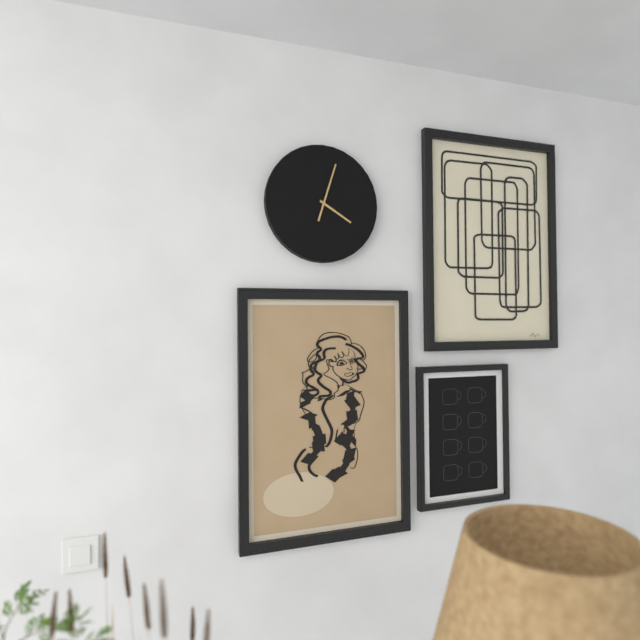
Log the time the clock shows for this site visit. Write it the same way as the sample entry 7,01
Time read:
4,03
